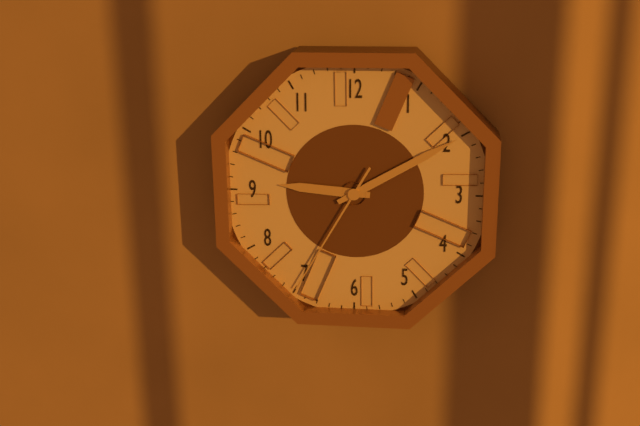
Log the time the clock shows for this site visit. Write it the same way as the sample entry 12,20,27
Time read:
9,10,35
